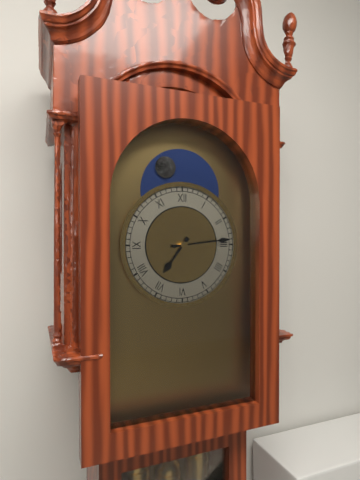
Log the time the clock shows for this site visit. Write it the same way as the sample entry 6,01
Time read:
7,14
